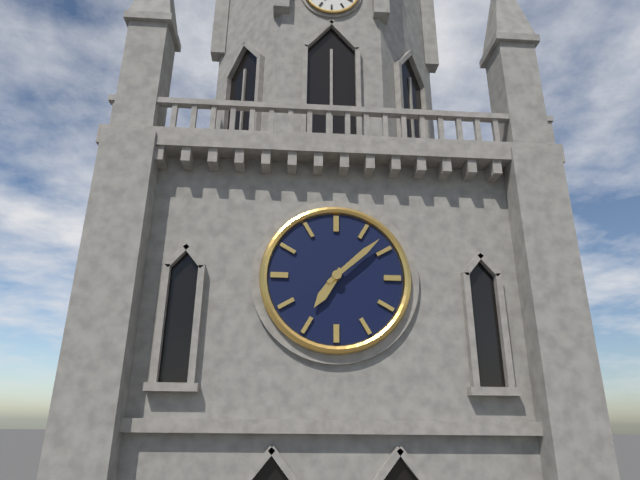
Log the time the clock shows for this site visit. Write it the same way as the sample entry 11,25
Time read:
7,08
